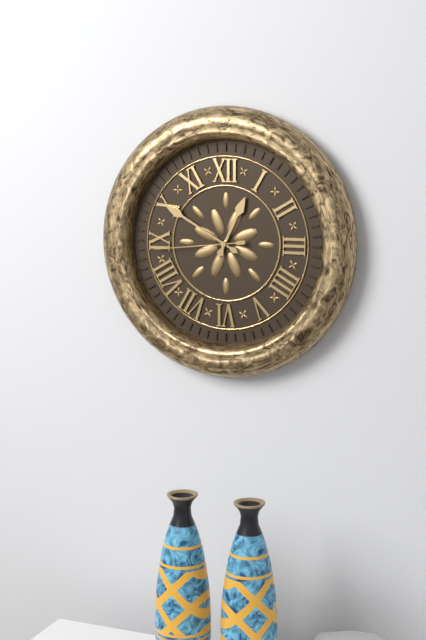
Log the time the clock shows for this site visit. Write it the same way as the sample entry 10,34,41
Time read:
12,50,44
